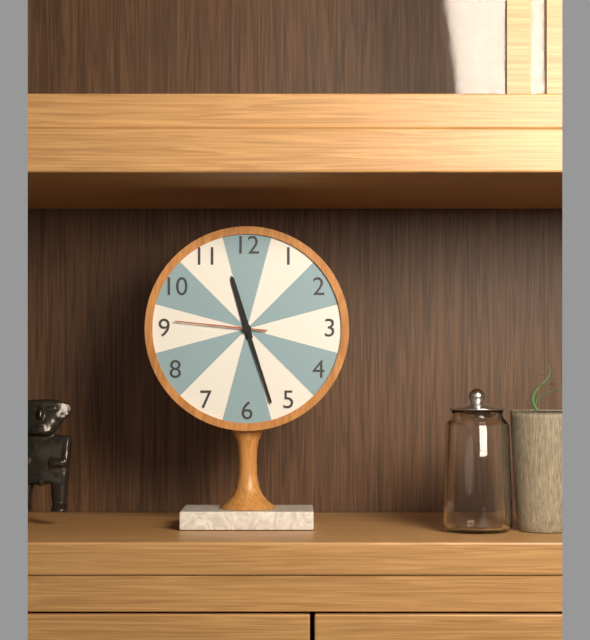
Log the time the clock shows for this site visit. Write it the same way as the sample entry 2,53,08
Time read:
11,27,46
